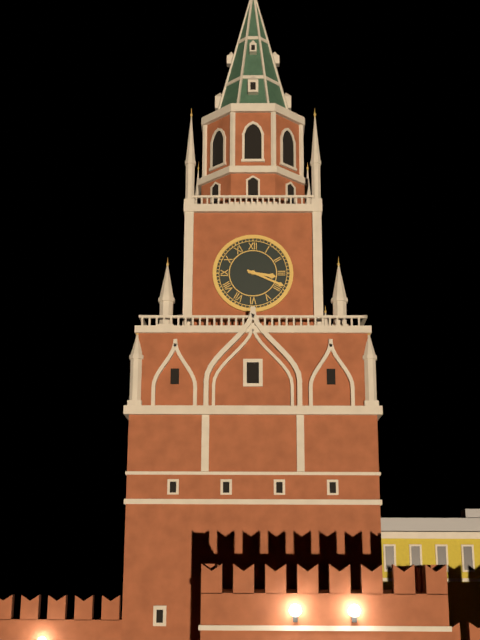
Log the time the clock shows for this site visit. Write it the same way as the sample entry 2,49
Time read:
3,19
